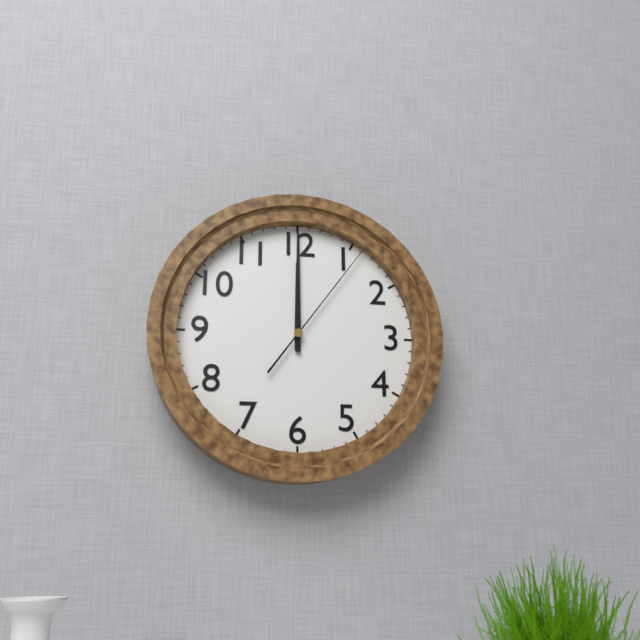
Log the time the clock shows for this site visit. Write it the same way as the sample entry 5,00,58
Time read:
12,00,06
